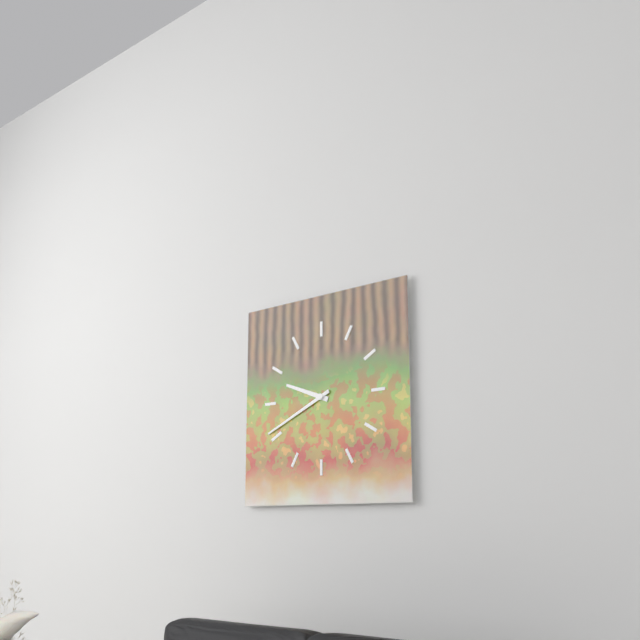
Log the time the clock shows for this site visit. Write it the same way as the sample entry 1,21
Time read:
9,41
